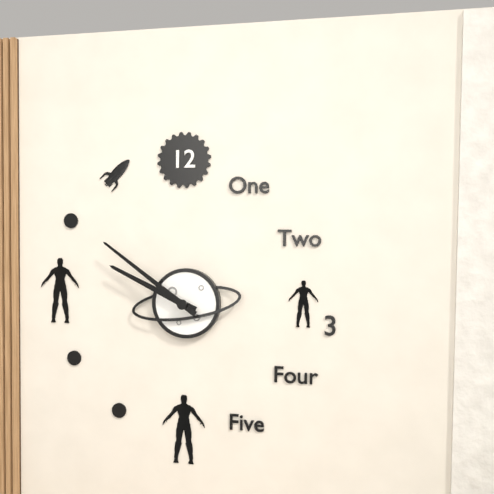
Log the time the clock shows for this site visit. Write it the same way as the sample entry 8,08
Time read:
9,51
